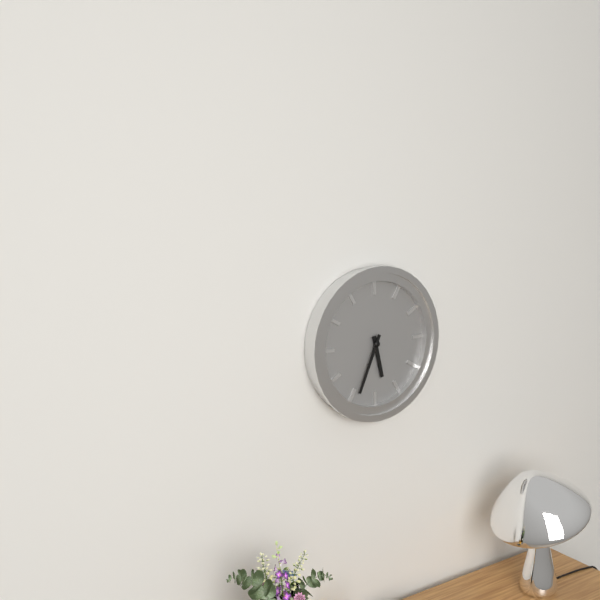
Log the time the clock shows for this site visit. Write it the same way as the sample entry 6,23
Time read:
5,34
